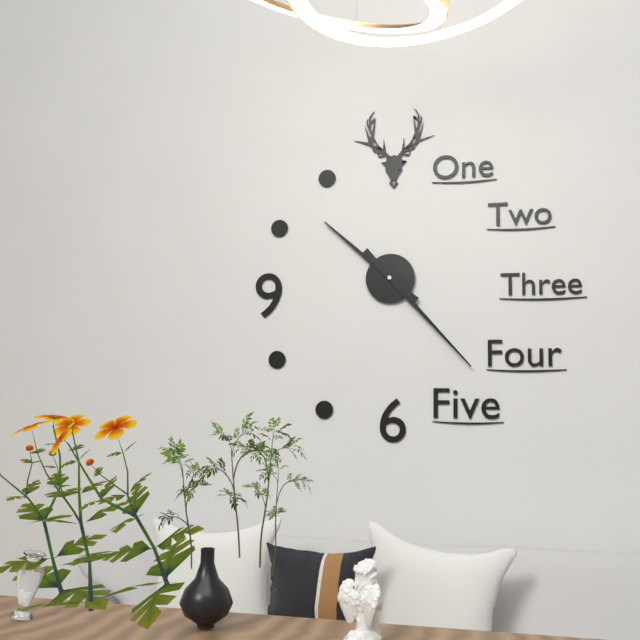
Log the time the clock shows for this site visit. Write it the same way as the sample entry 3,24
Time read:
10,23
